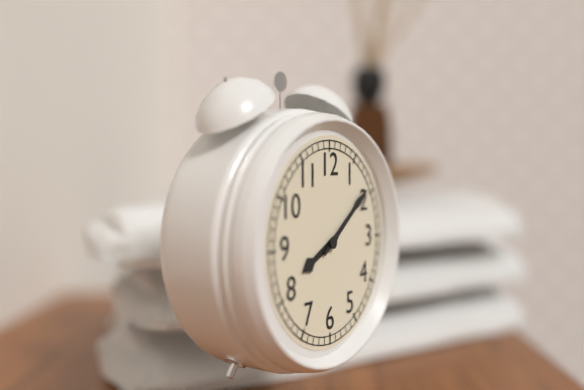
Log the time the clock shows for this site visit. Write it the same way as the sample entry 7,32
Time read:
8,09
